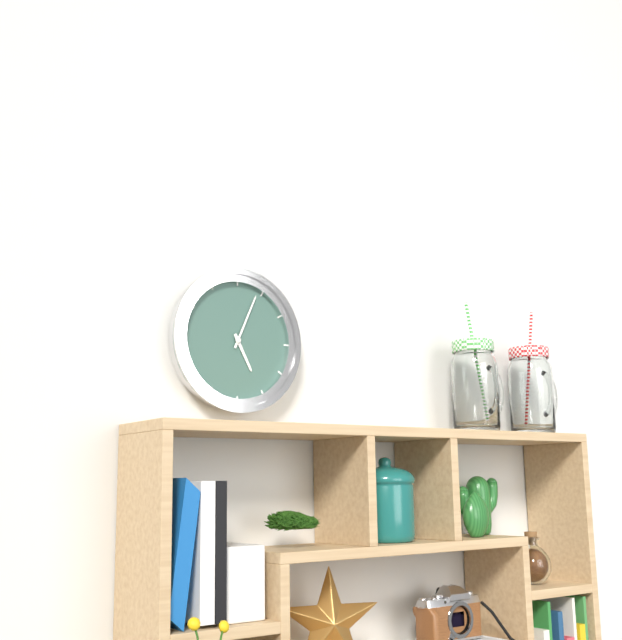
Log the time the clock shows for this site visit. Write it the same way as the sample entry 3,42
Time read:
5,04
